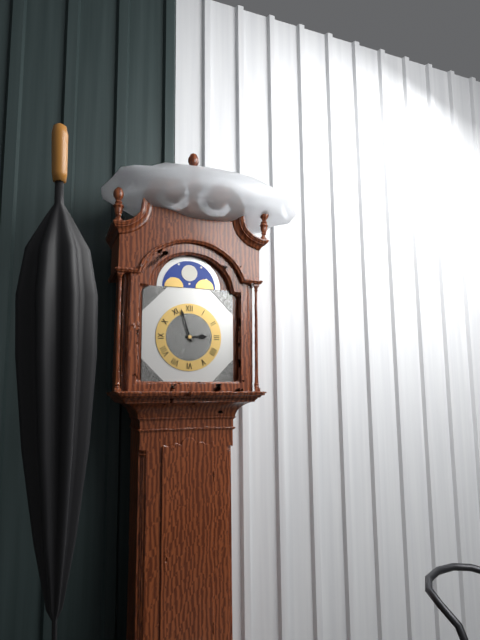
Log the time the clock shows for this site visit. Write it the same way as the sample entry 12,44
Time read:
2,57
